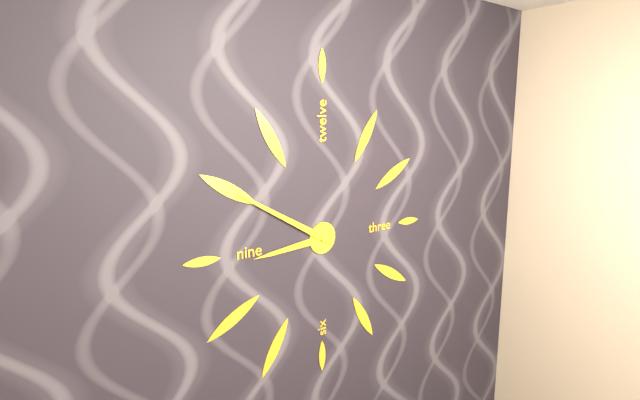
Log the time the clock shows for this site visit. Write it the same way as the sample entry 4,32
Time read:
8,50
